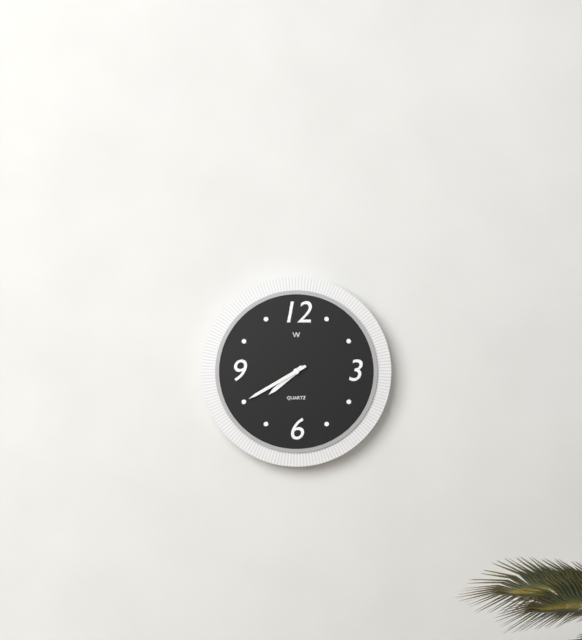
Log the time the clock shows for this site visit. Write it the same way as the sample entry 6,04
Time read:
7,40
